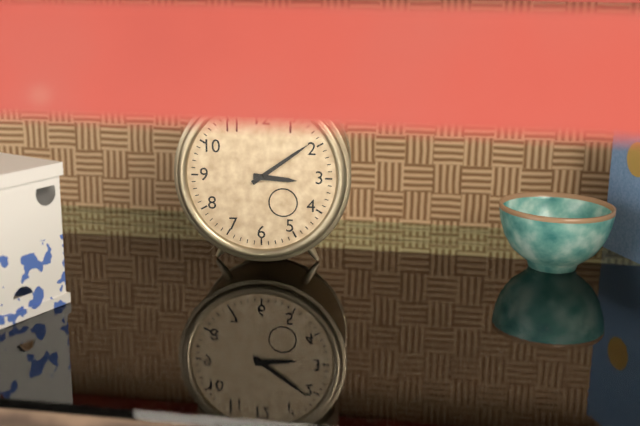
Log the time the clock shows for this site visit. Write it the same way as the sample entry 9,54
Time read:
3,09
